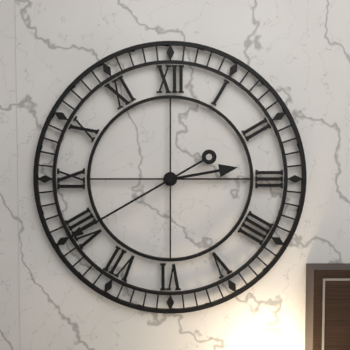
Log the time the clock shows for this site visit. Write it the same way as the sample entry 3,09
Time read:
2,40
